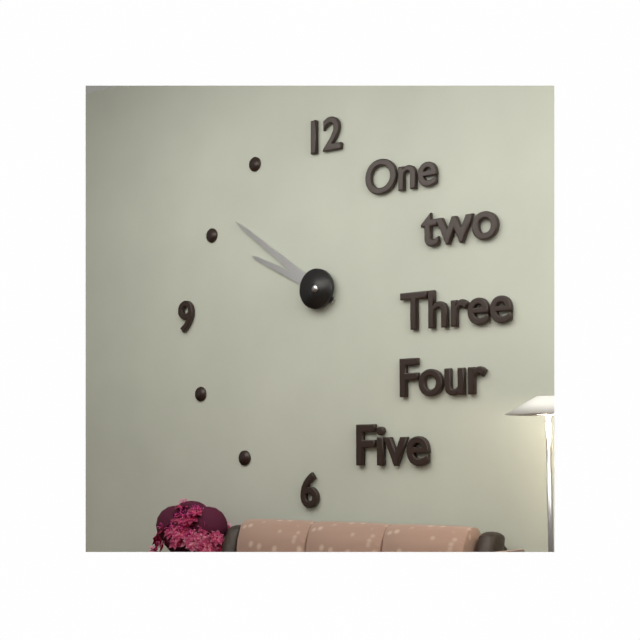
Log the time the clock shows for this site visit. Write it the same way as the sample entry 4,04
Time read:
9,51
